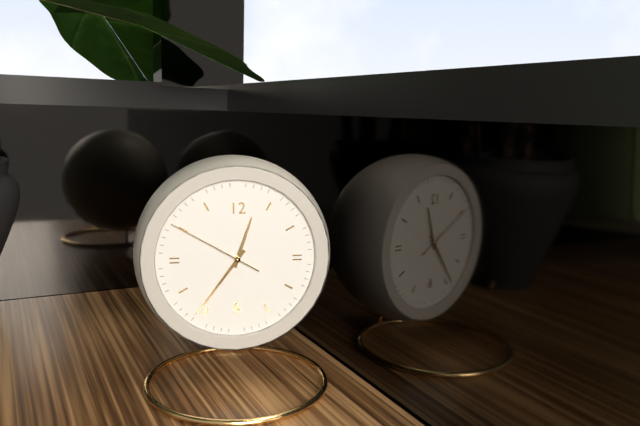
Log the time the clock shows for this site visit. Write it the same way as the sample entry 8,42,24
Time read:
12,36,50
